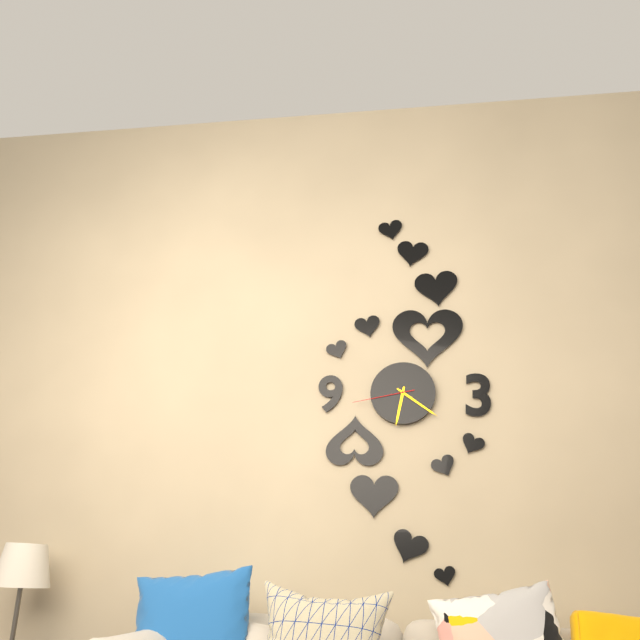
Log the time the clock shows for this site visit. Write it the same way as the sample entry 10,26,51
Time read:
6,21,43
